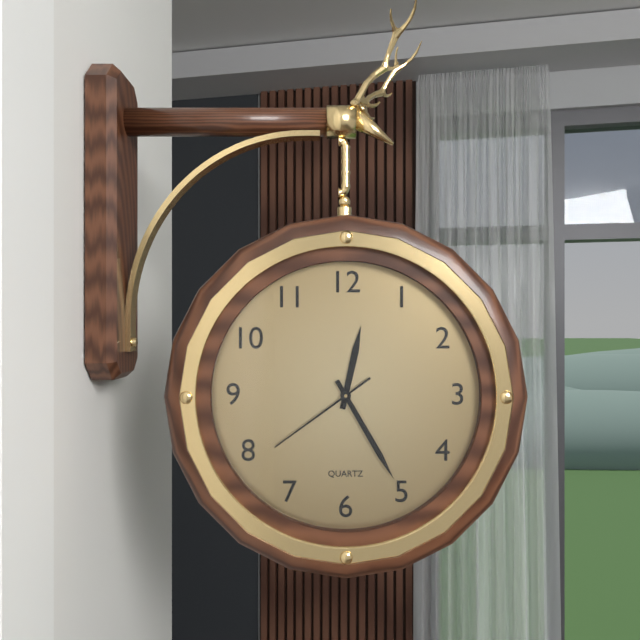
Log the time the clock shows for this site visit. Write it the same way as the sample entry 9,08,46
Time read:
12,25,39
